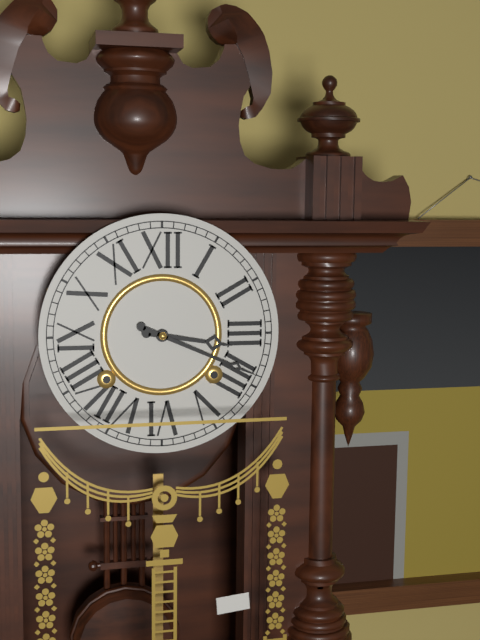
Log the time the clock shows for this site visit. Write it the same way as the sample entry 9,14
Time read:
3,19
